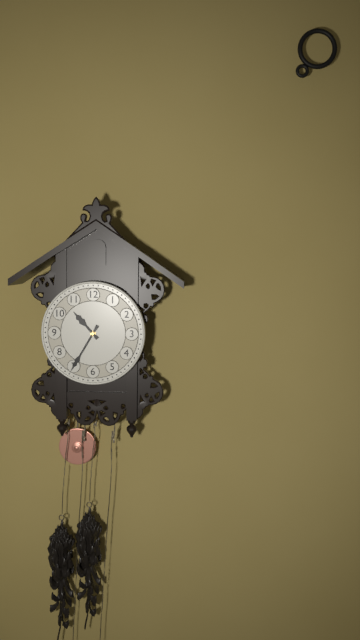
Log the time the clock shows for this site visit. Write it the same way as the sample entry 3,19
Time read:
10,35
